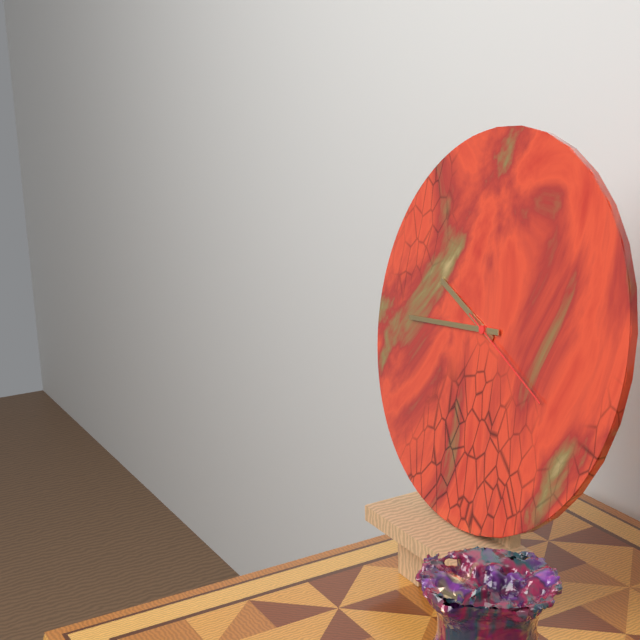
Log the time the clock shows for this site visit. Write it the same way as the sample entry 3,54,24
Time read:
9,44,19
